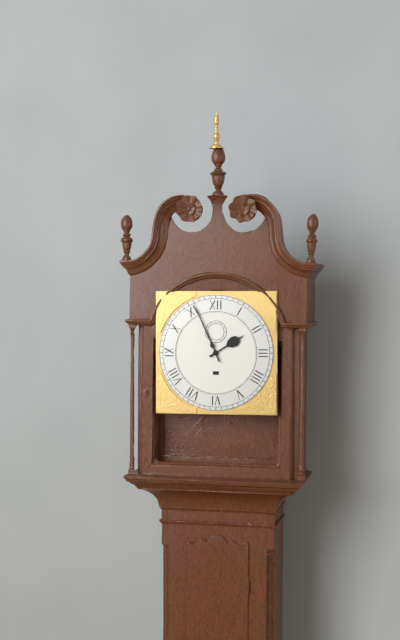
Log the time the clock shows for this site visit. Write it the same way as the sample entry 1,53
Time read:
1,56
